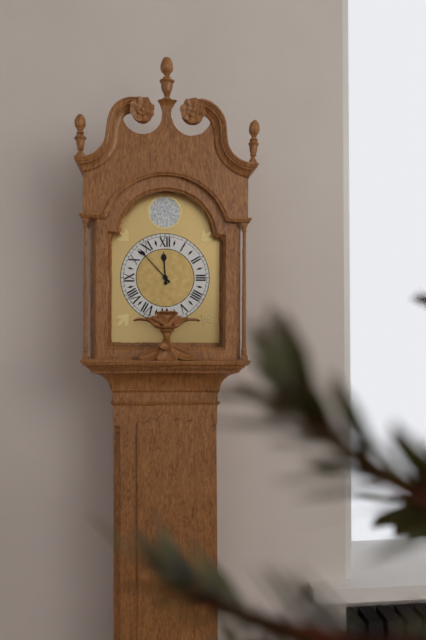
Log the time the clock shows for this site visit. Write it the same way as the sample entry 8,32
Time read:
11,53
